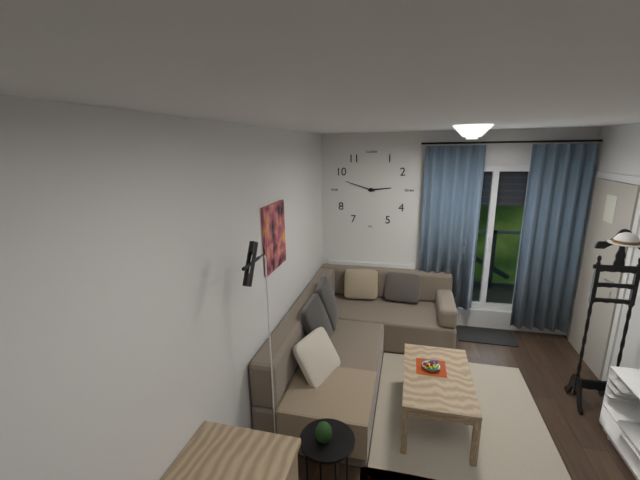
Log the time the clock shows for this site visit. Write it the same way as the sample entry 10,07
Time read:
2,48
